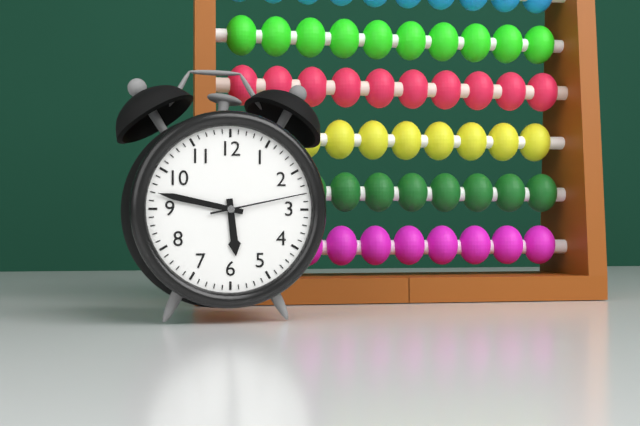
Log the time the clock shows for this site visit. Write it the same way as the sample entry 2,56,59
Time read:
5,47,13
